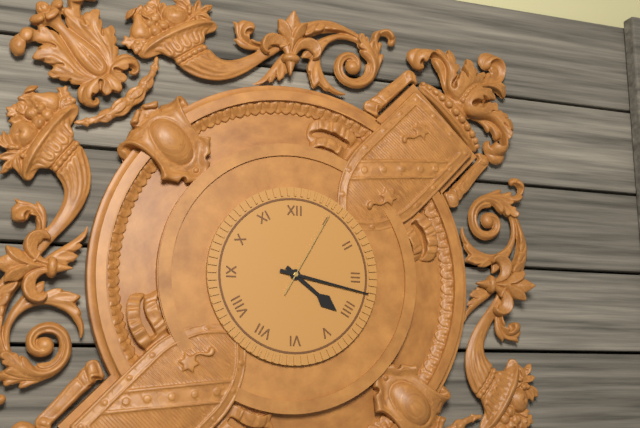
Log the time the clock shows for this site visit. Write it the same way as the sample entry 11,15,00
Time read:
4,17,05
